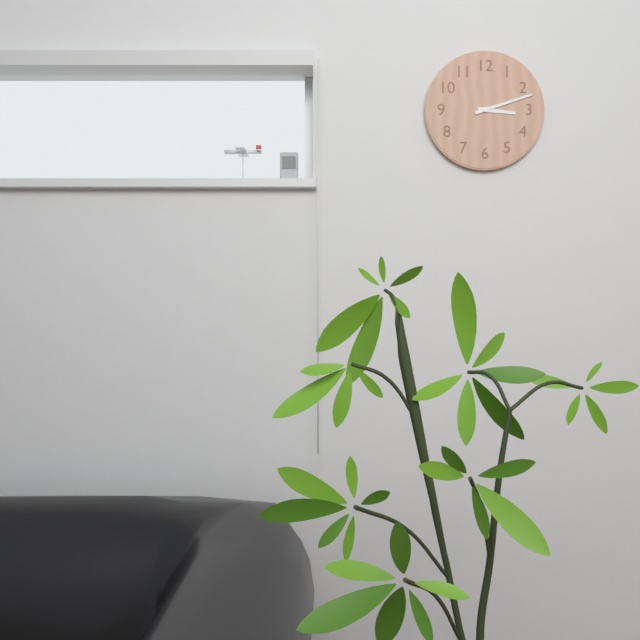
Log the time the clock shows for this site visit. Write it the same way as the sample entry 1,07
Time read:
3,12
